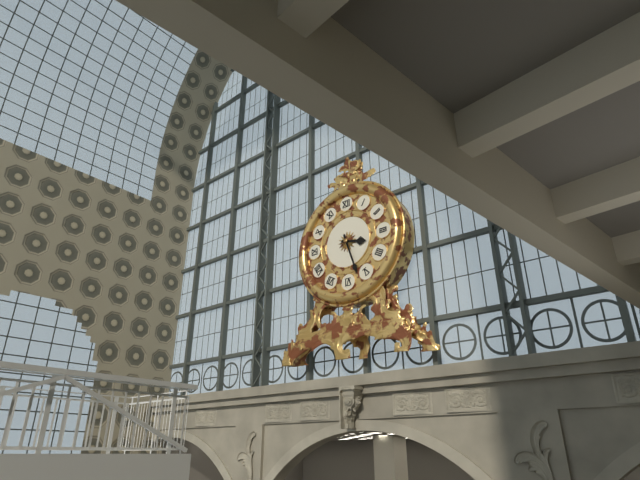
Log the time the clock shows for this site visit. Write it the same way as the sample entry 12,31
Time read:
3,27
